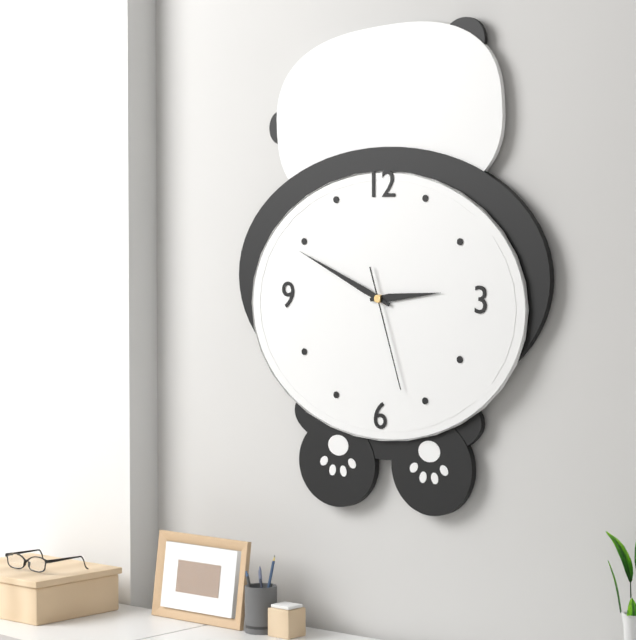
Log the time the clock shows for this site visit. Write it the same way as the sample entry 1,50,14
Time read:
2,49,27
